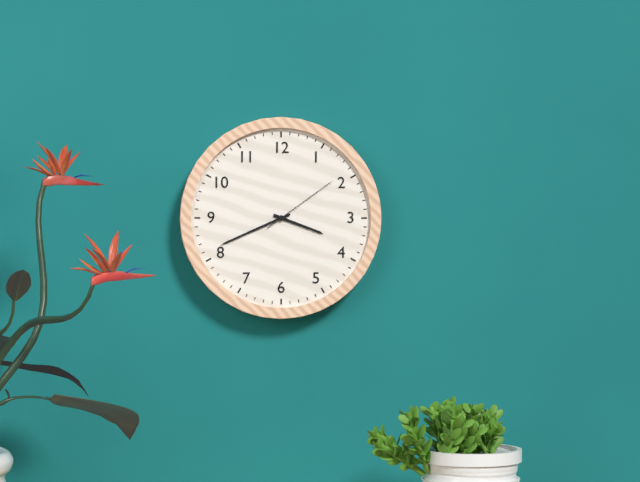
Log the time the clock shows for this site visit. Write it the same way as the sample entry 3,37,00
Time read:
3,41,09
